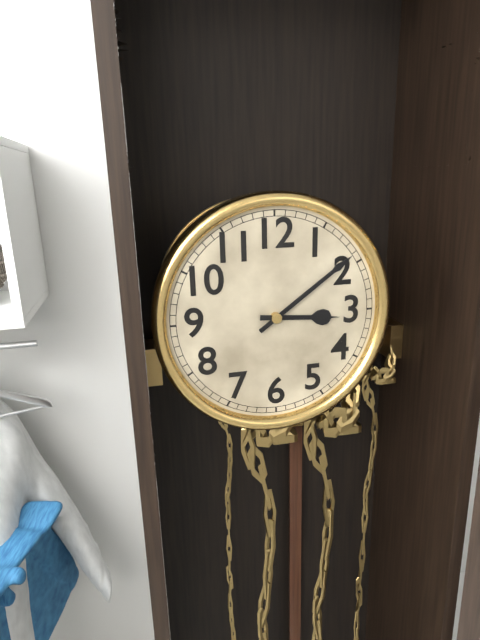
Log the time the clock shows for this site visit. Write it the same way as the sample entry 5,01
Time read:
3,09
